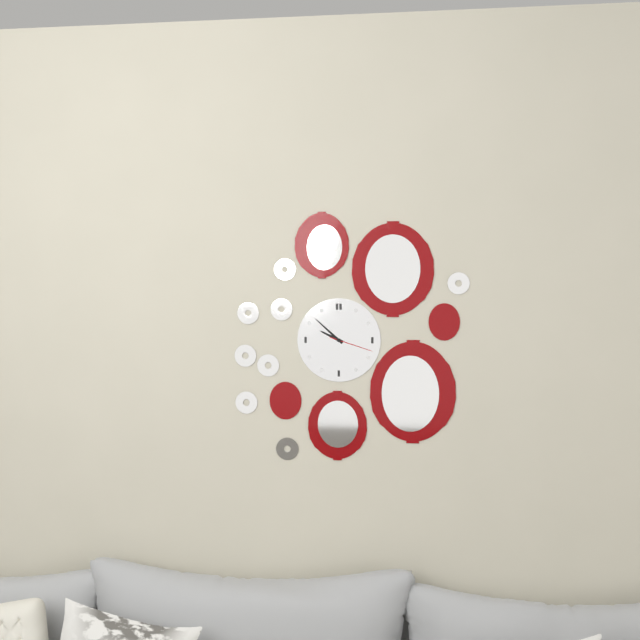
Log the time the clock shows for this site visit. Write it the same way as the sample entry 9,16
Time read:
9,52
